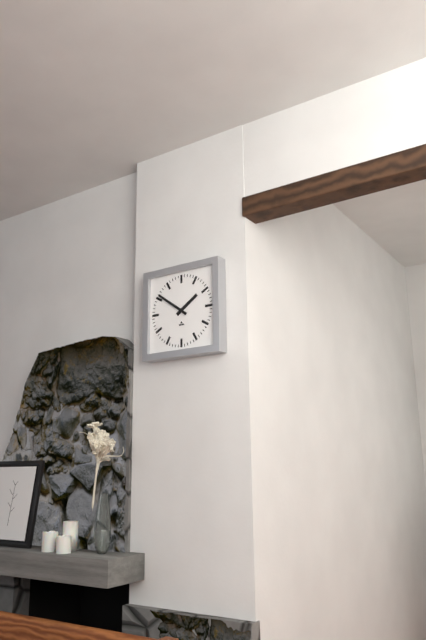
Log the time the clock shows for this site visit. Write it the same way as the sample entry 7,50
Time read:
1,51
